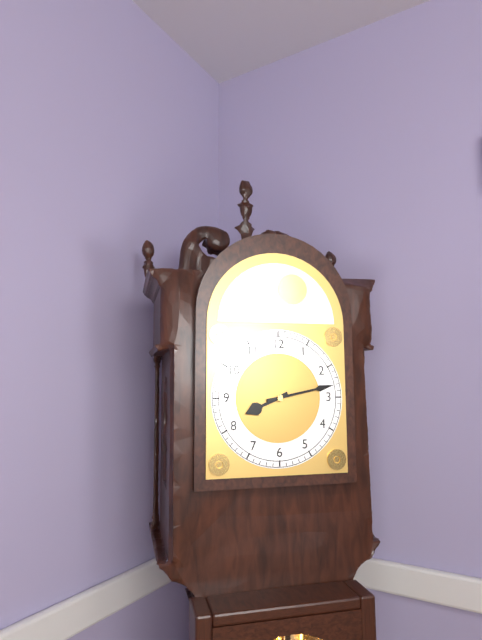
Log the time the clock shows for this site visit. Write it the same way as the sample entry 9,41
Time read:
8,13
